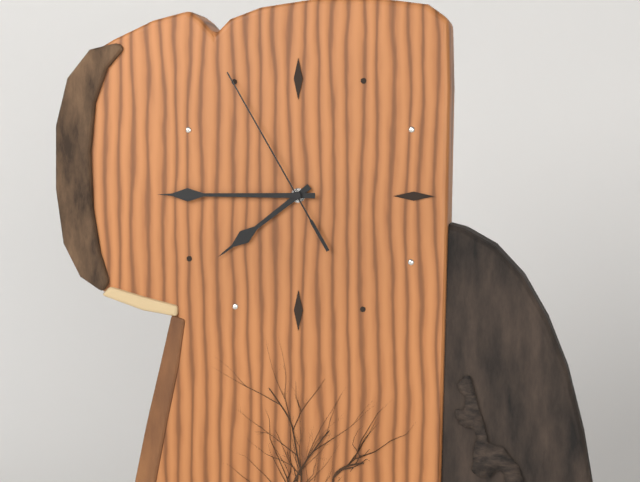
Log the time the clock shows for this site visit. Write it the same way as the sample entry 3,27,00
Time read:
7,45,55
